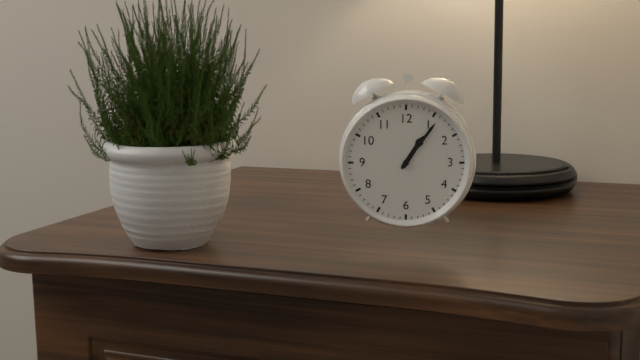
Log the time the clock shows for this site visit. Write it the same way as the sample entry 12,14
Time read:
1,06
